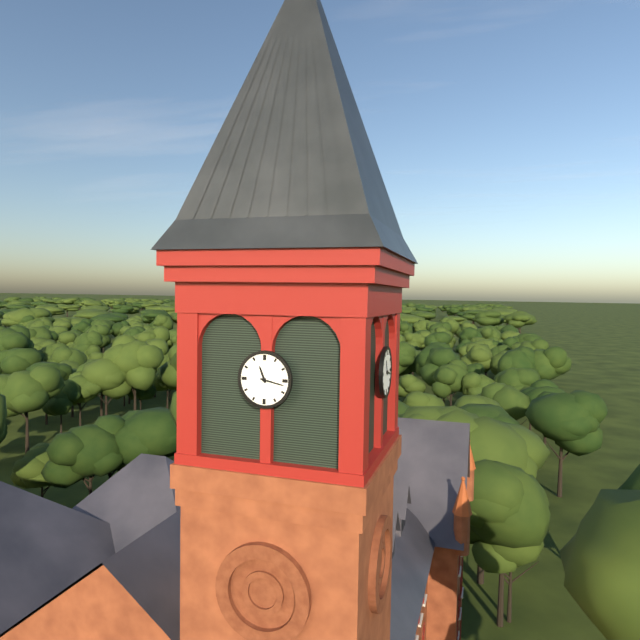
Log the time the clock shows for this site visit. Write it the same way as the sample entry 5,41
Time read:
11,17
